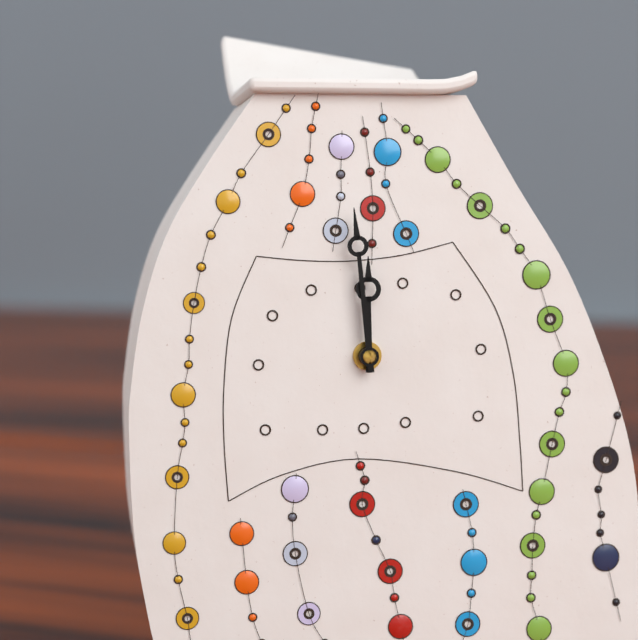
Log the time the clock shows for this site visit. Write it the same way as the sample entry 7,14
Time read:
11,59
